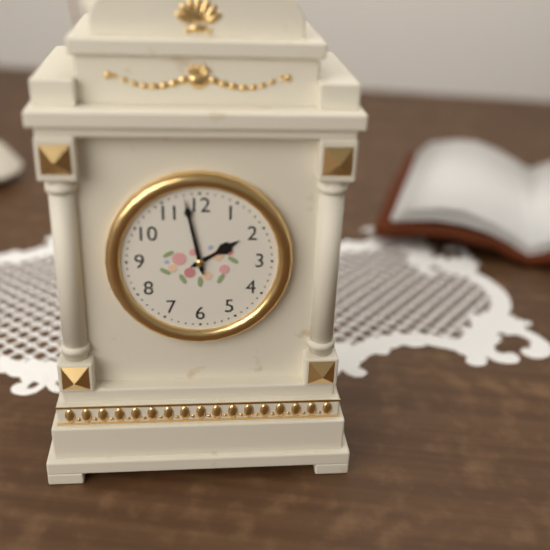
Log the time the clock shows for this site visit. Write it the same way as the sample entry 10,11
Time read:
1,58
